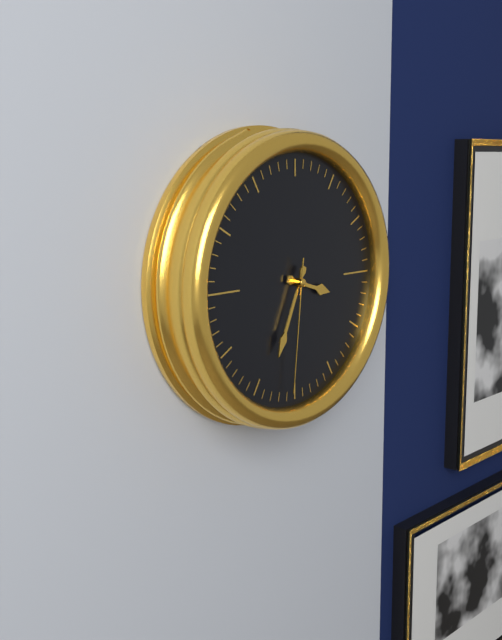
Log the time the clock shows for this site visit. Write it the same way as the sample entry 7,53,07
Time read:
3,34,31
